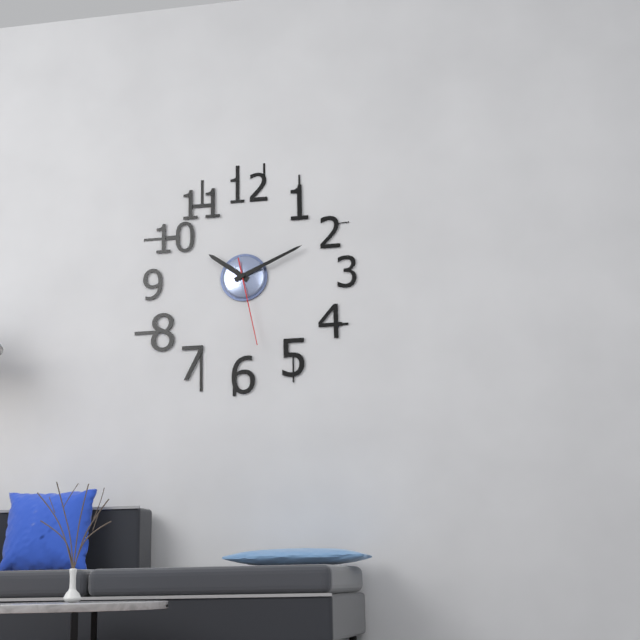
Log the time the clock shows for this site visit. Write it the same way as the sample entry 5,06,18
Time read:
10,11,28
